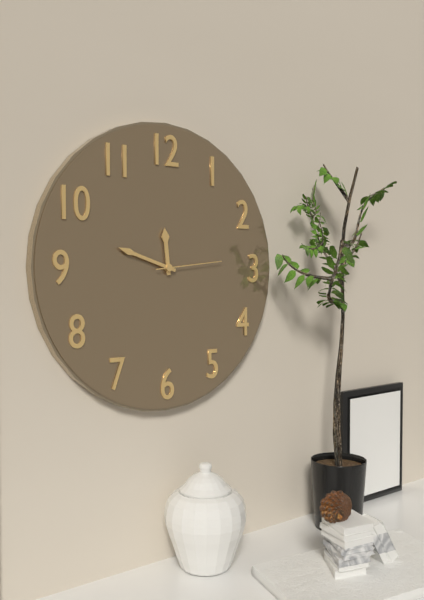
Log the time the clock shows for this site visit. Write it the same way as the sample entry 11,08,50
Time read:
11,48,14
